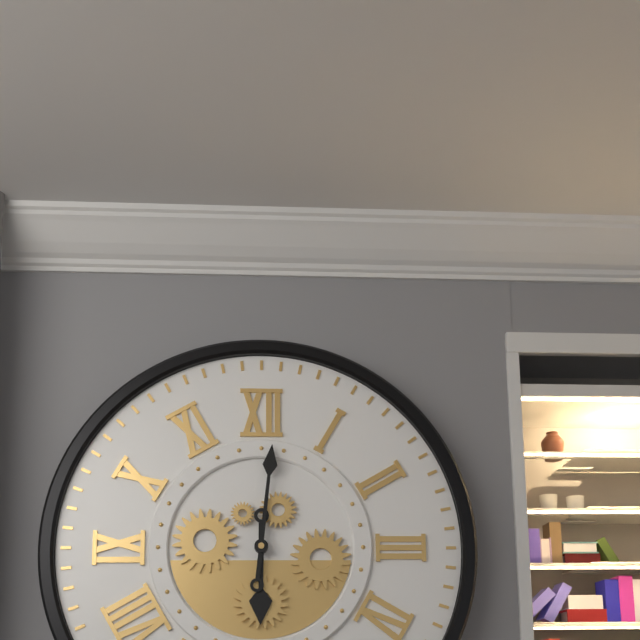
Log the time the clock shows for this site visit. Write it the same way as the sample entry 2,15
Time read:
6,01
